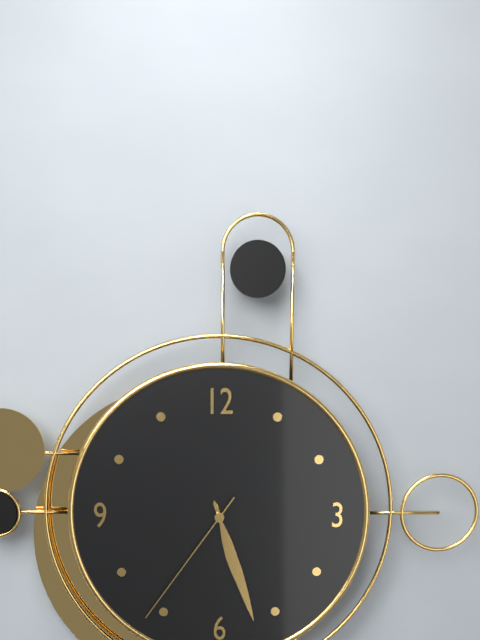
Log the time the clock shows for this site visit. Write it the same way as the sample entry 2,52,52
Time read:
5,27,36
